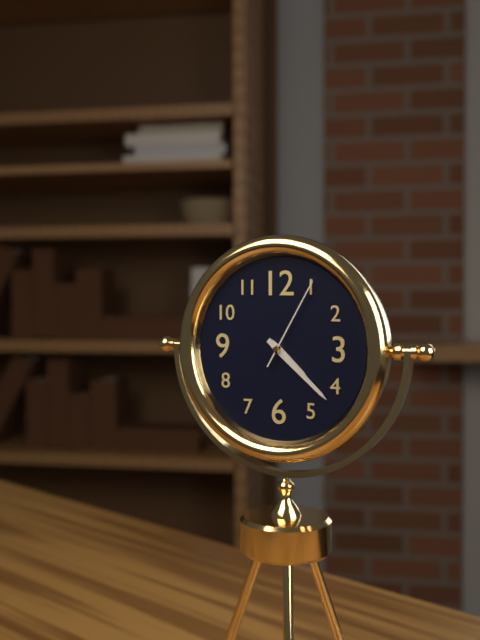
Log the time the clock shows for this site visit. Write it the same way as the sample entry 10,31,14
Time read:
4,22,05
